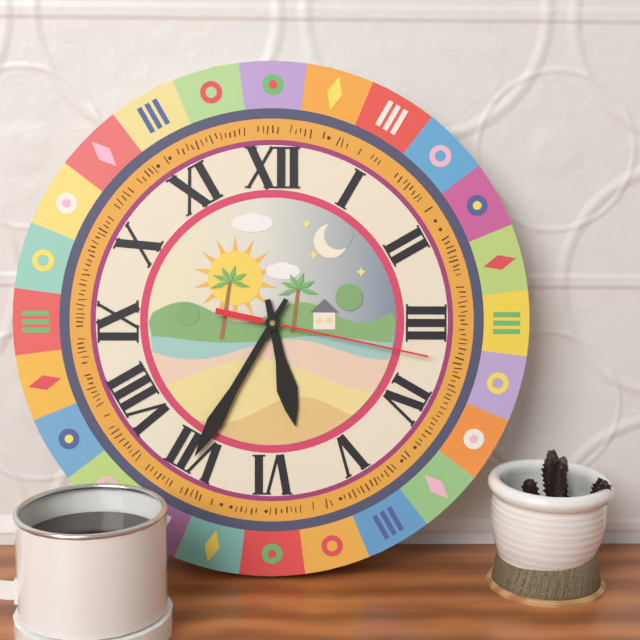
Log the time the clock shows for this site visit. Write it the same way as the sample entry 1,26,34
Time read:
5,35,17
